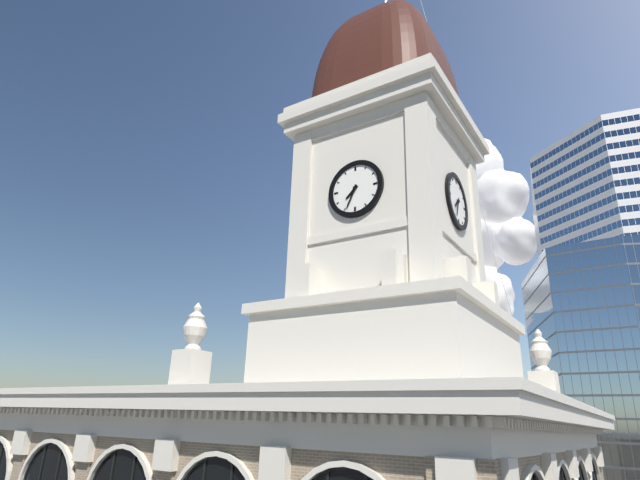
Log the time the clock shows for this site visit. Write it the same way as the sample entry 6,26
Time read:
7,34
